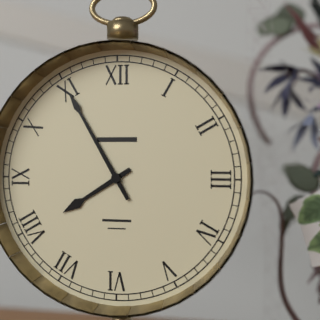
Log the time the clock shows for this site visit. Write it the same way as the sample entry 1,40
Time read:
7,55
